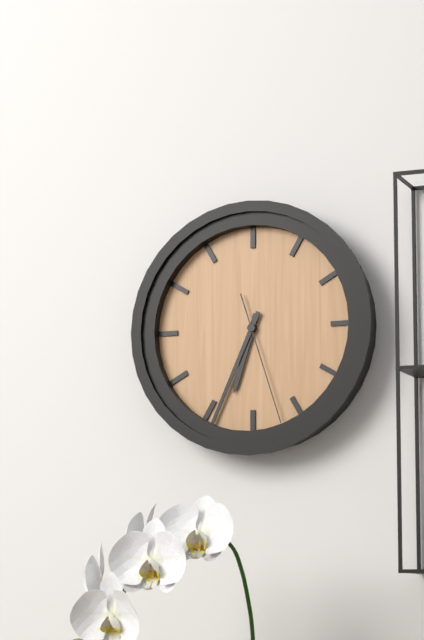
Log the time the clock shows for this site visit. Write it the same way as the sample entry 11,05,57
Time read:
6,34,27
